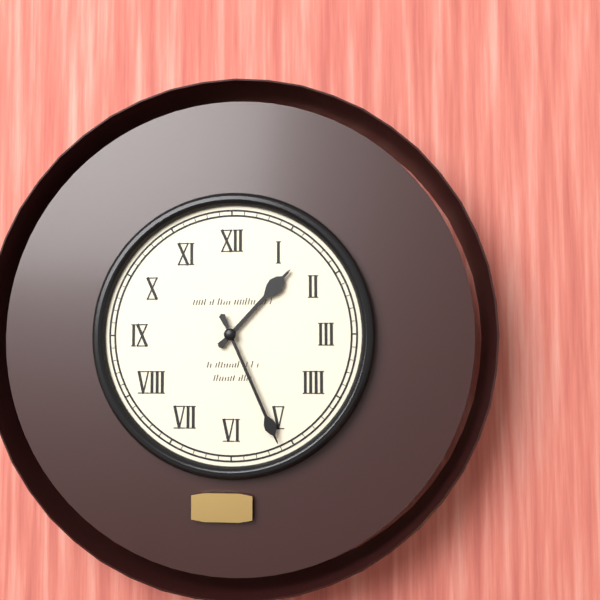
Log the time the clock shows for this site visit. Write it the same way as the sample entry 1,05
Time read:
1,26
